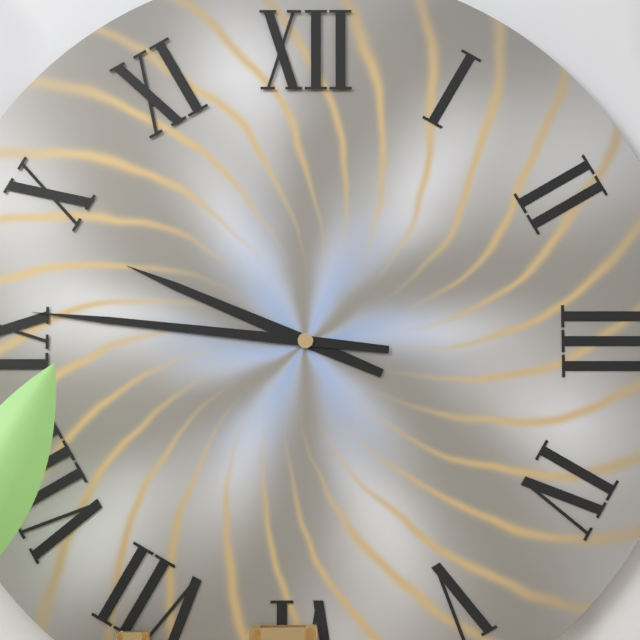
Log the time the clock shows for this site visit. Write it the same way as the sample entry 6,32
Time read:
9,46
